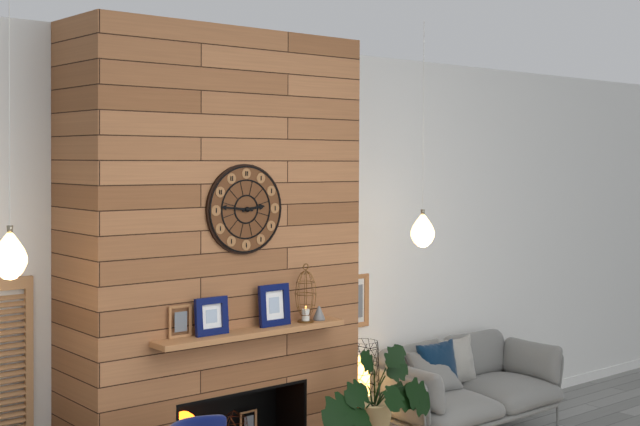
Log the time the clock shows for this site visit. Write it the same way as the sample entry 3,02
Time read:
2,46
